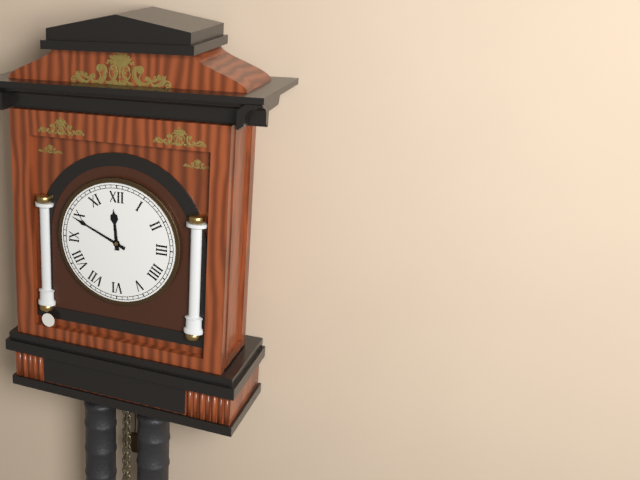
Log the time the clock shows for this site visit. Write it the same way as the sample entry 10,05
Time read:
11,49
